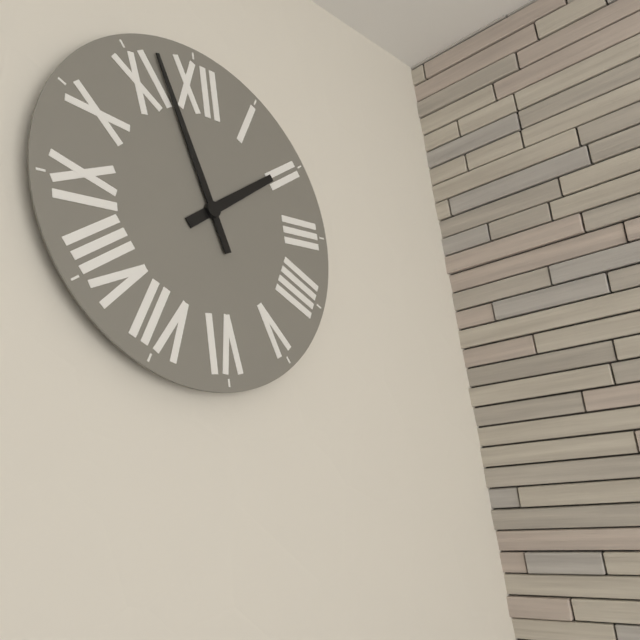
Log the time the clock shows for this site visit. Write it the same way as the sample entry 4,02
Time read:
1,57
